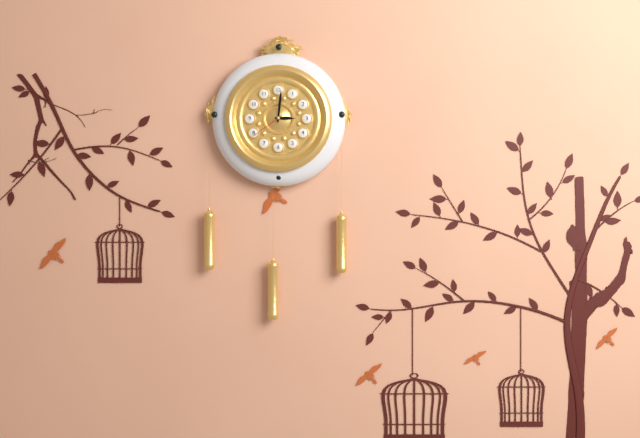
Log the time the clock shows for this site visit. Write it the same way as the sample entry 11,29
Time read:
3,01
